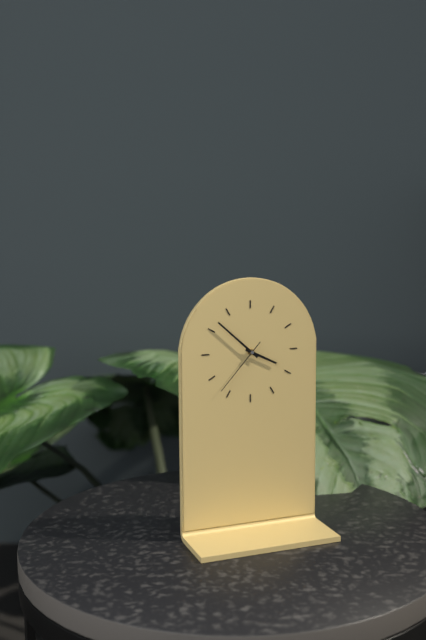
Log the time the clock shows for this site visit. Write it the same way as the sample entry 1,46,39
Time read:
3,52,37
